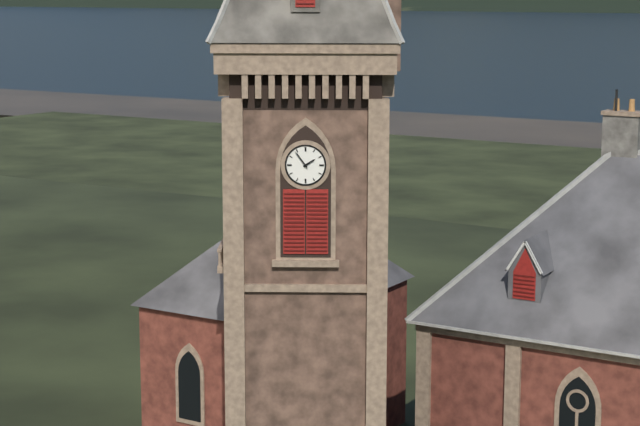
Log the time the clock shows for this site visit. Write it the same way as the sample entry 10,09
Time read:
1,54
